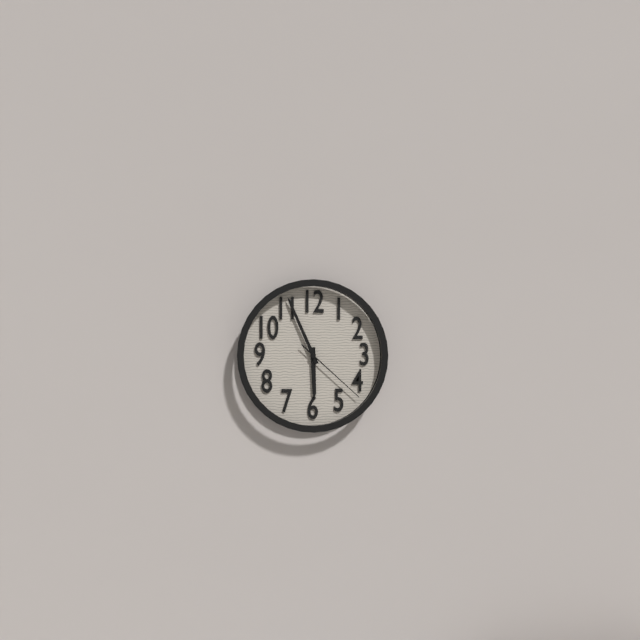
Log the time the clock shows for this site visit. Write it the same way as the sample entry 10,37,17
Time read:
5,56,22
